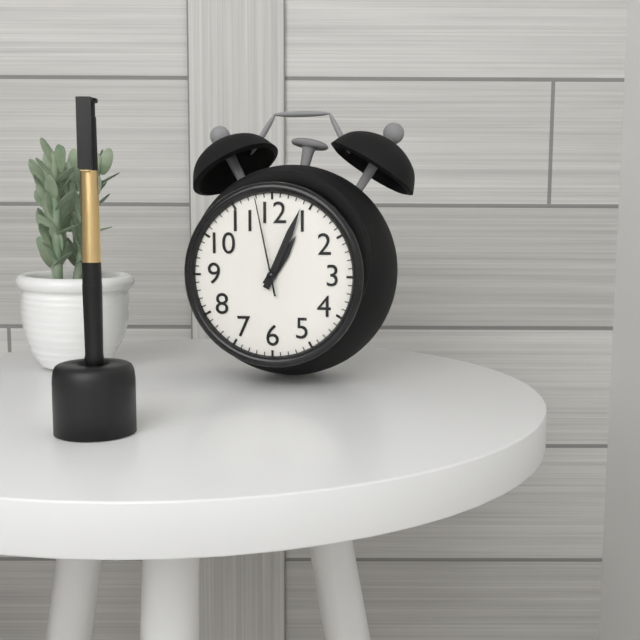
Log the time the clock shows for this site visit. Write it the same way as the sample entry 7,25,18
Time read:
1,04,58
